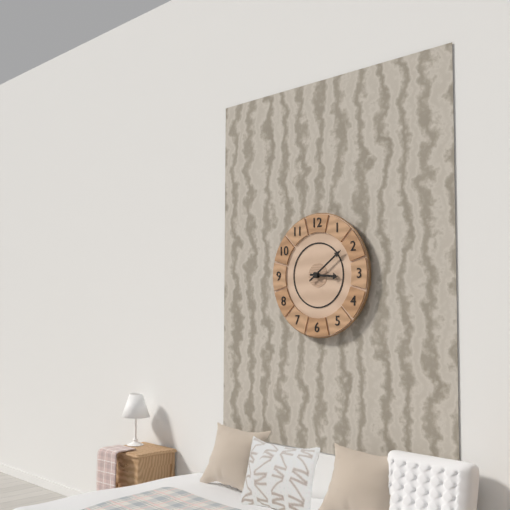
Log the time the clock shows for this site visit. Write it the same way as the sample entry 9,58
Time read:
3,09
